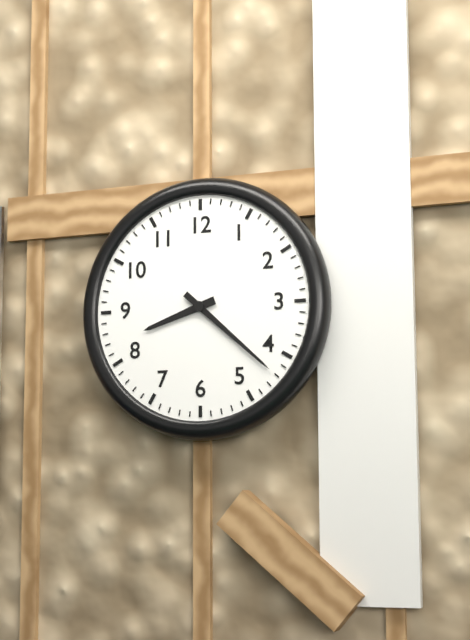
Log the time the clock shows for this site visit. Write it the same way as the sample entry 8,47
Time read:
8,22
